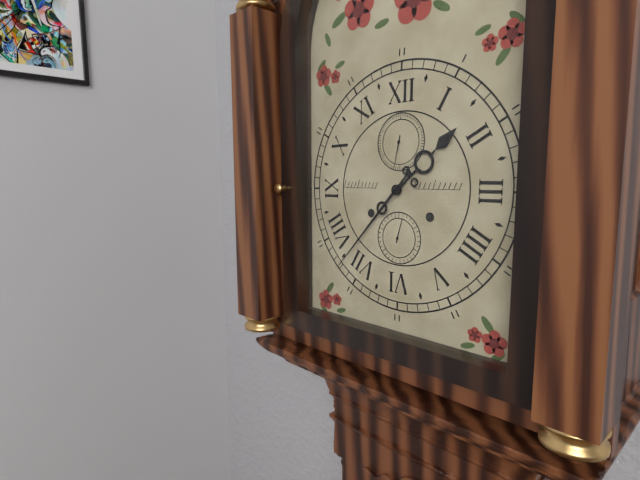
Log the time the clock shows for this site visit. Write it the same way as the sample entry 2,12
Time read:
1,37
